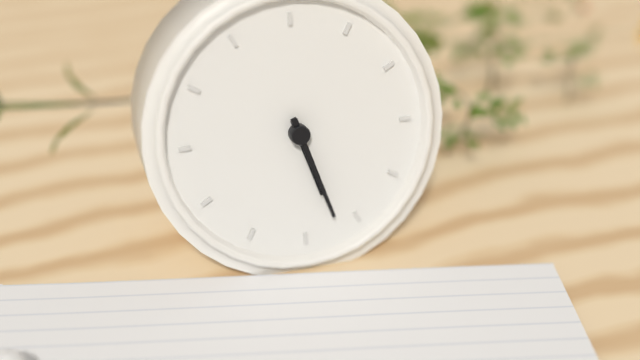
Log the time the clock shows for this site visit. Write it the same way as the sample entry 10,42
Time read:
5,27
